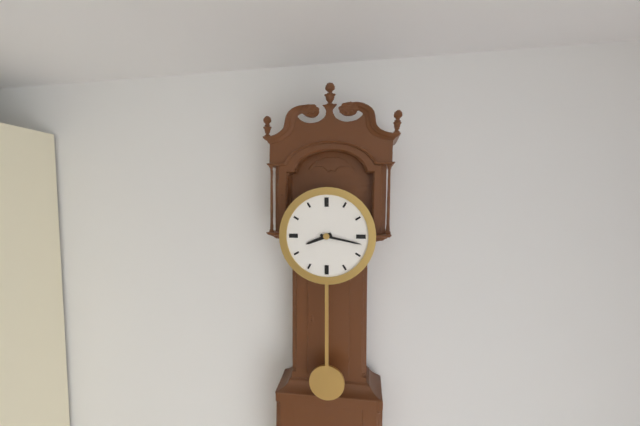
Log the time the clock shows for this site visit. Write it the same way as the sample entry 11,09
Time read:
8,17
